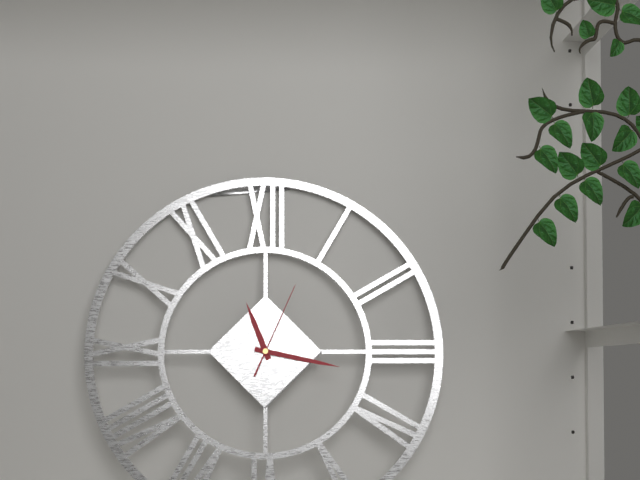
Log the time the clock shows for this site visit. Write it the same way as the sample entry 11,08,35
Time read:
11,17,04
